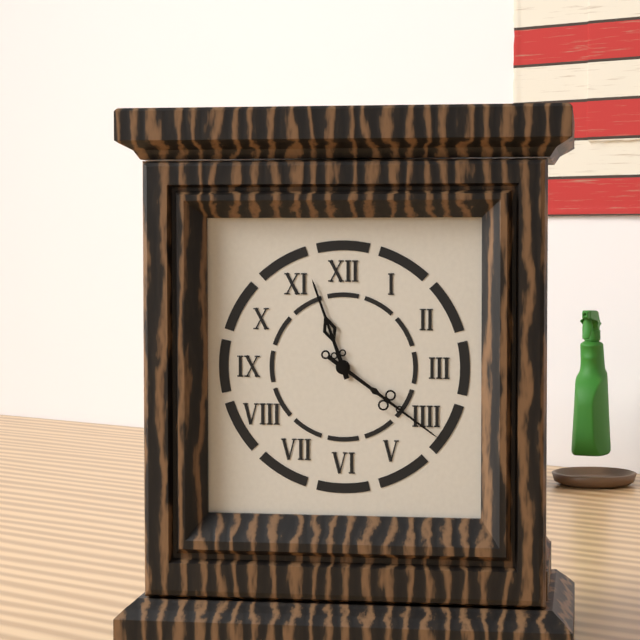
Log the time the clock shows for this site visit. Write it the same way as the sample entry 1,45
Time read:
11,21
